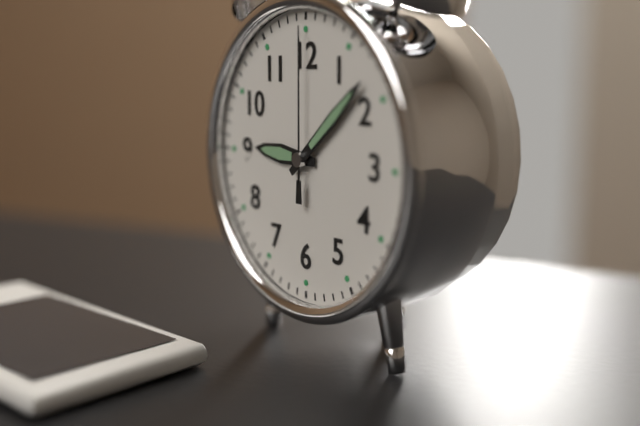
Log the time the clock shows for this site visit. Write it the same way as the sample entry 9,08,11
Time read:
9,08,00
